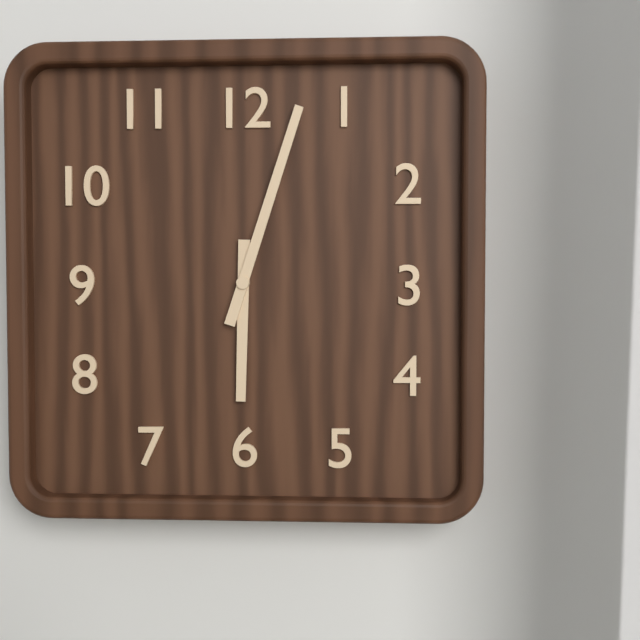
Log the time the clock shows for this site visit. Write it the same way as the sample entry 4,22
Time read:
6,03
